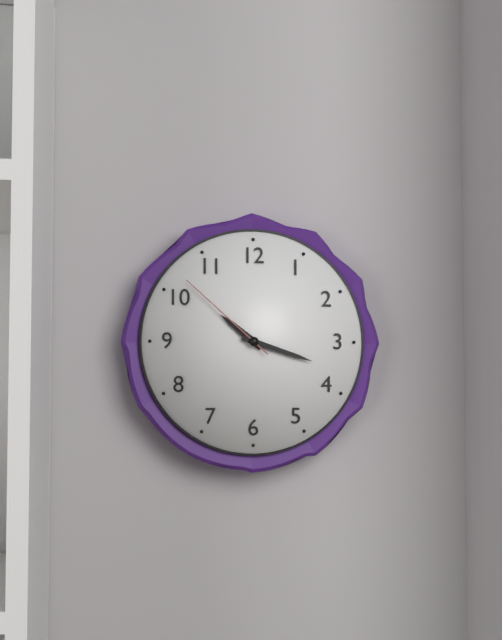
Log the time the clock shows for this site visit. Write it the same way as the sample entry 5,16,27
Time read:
10,18,52
